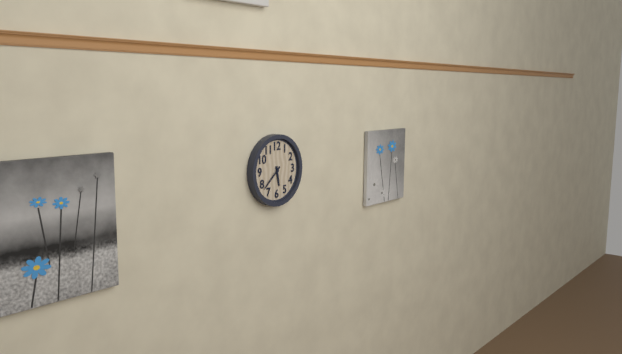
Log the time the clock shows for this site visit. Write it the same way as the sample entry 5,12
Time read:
5,38
